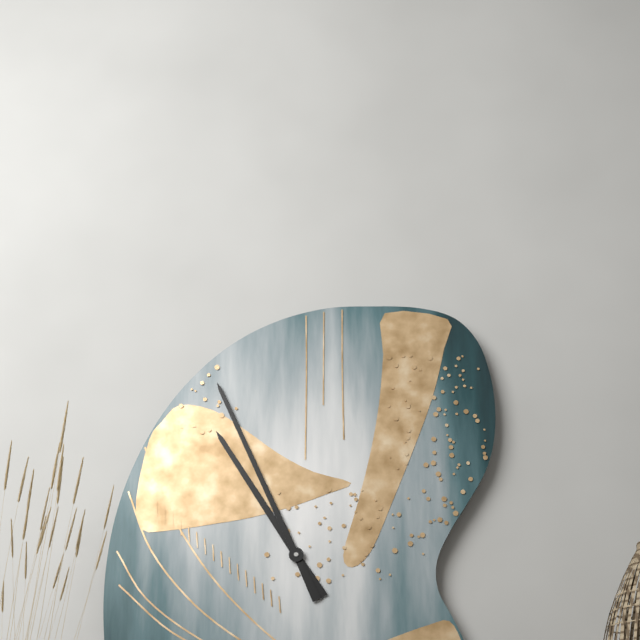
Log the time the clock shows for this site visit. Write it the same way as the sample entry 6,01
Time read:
10,56
